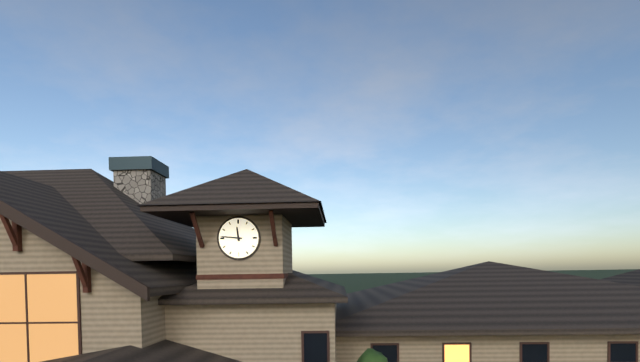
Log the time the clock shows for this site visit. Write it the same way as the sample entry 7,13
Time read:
11,46
